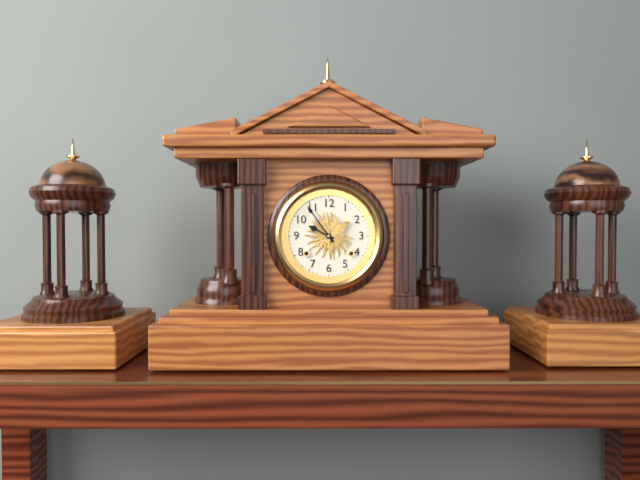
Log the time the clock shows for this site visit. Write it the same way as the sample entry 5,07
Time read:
9,54
